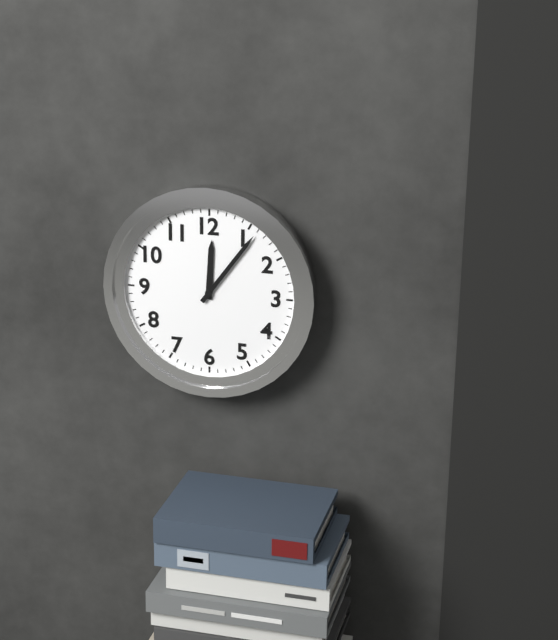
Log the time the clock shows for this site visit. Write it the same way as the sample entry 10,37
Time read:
12,06
